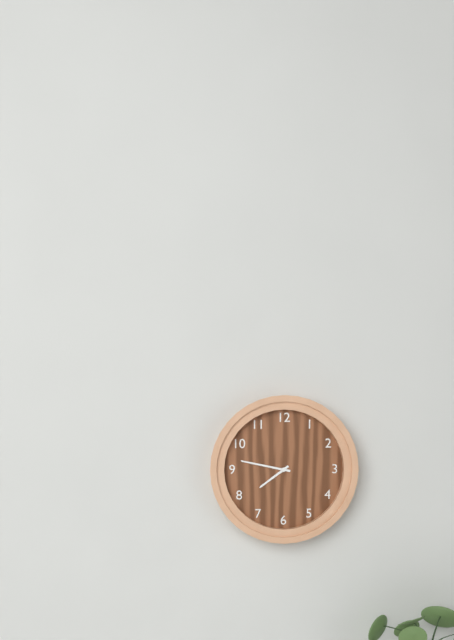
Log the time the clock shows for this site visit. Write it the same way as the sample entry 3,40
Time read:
7,47
